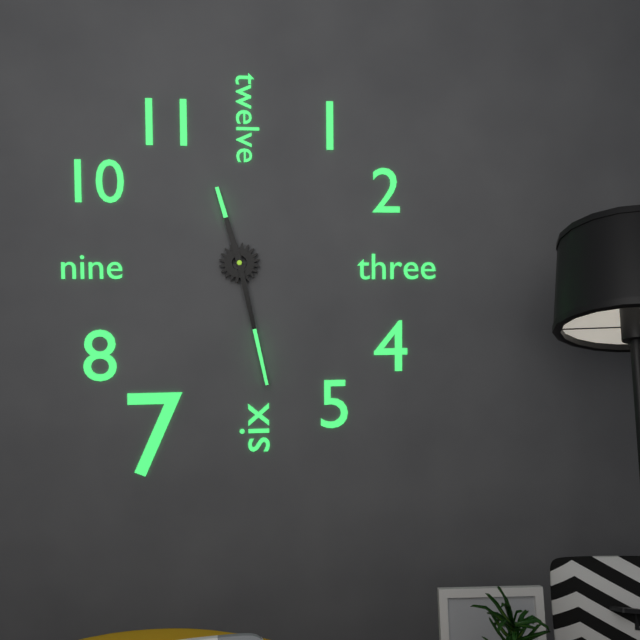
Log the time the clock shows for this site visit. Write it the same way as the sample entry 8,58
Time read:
11,28
